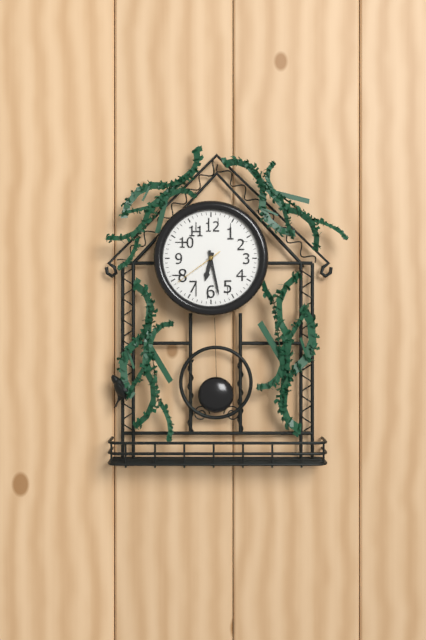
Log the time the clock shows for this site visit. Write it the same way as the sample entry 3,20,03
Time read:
6,28,39
